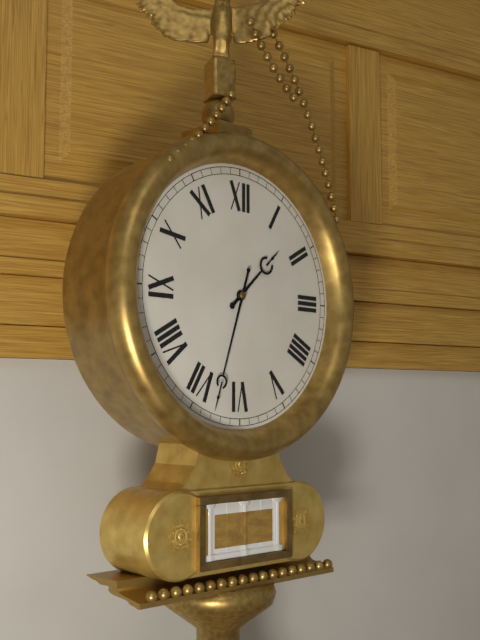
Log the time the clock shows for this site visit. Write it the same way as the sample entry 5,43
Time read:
1,33
